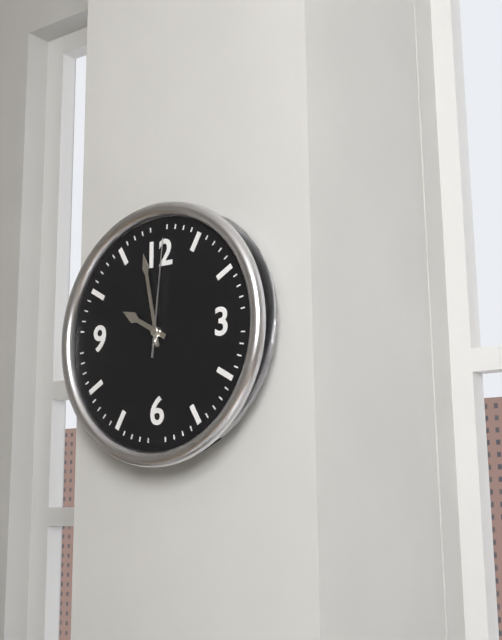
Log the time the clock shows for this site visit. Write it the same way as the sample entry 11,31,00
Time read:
9,58,01
